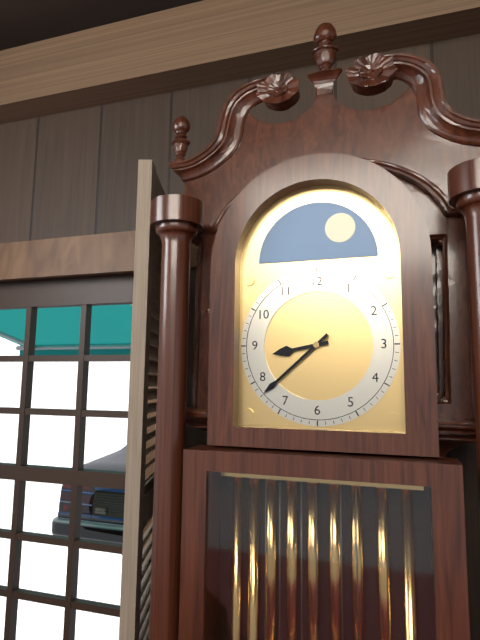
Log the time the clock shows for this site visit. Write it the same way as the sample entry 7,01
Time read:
8,38
